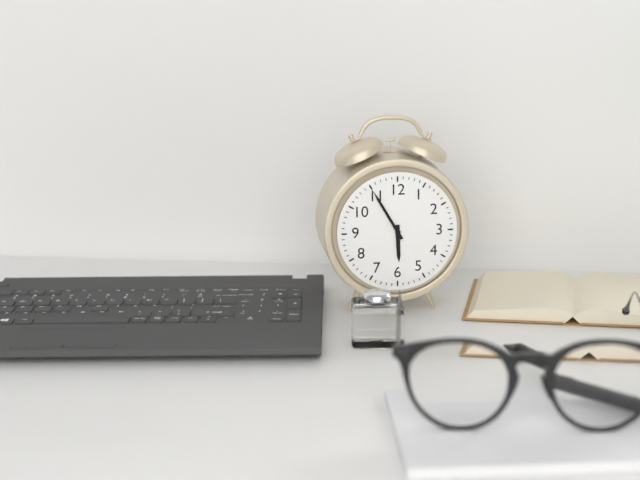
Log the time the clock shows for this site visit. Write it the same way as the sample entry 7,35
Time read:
5,55
